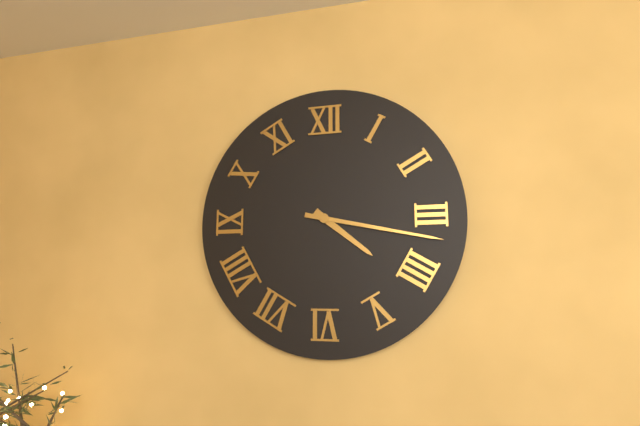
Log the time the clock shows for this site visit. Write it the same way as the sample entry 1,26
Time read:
4,17
